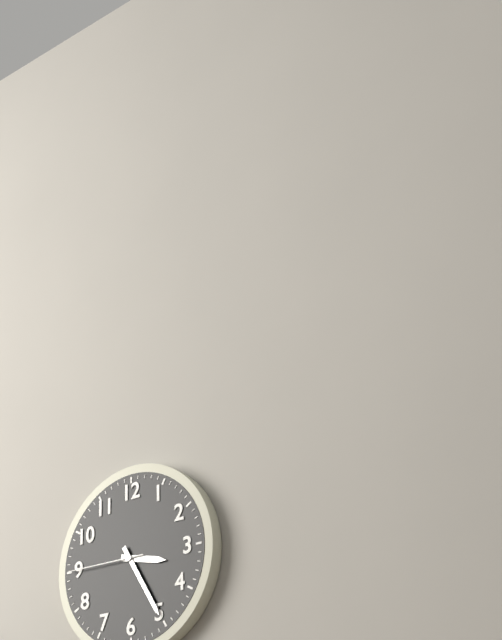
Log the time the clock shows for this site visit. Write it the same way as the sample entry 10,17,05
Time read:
3,25,45
